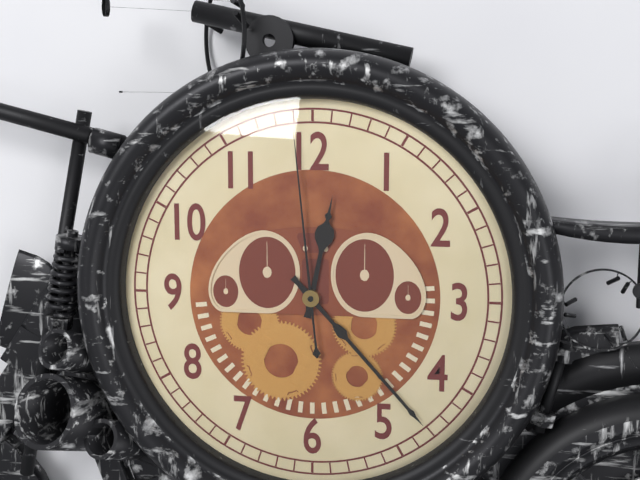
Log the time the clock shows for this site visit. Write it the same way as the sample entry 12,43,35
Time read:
12,23,59
